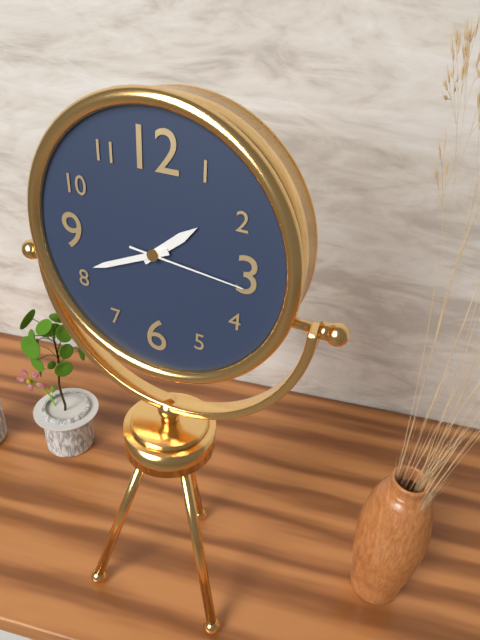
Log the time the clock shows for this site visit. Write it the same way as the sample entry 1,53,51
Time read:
1,41,16
